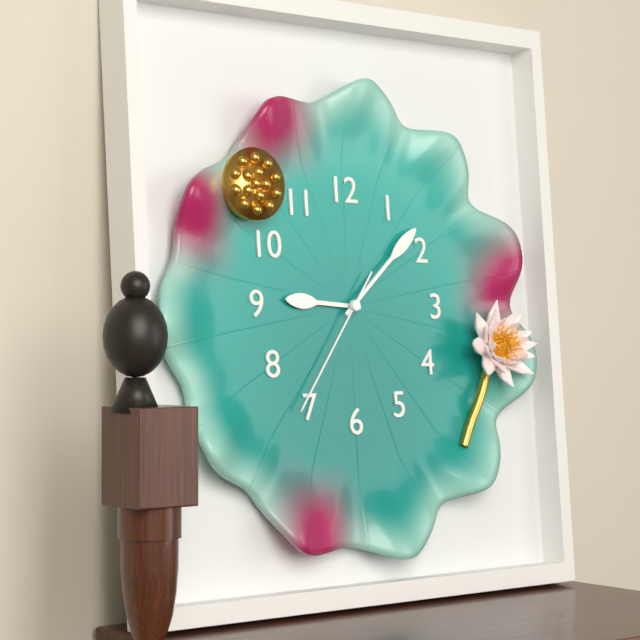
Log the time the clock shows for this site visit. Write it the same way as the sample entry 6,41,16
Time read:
9,08,36
